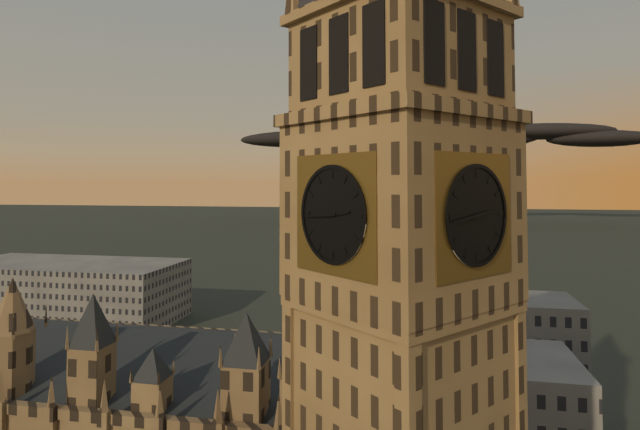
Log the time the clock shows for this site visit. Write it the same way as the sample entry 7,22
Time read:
2,44
